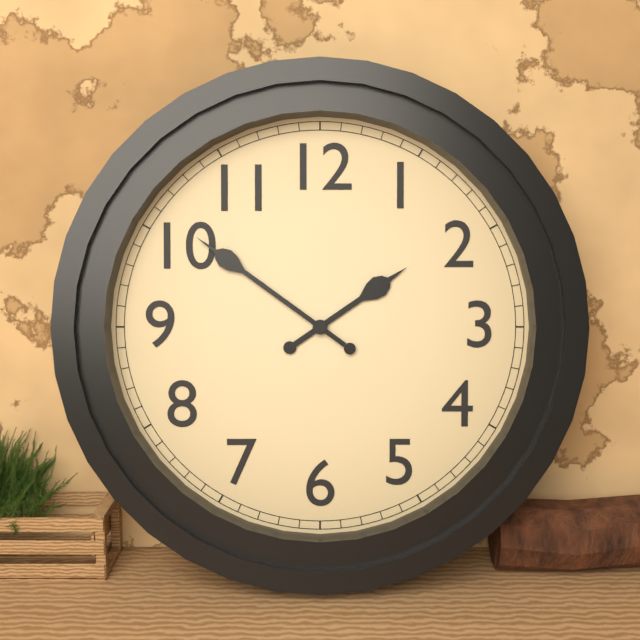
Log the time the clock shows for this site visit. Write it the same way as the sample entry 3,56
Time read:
1,51
